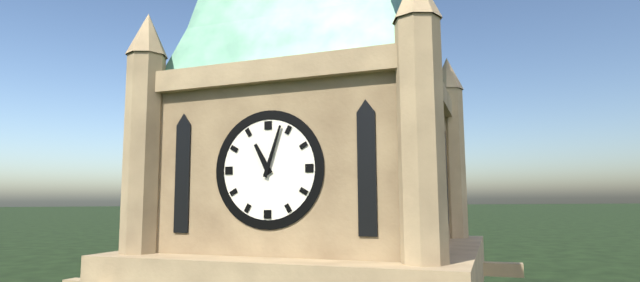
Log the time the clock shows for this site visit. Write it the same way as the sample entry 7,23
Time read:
11,03
